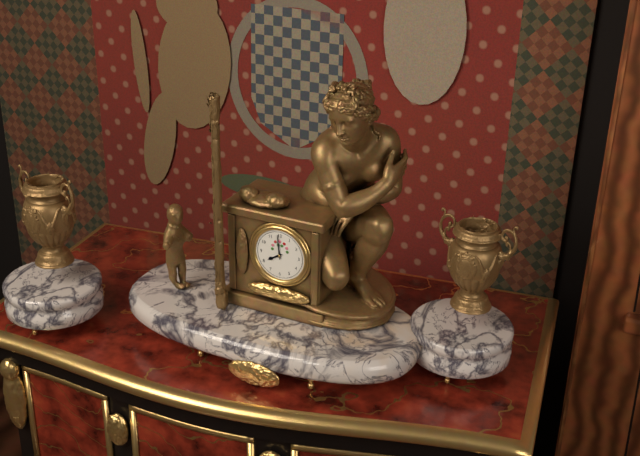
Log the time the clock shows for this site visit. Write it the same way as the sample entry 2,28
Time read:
7,59
